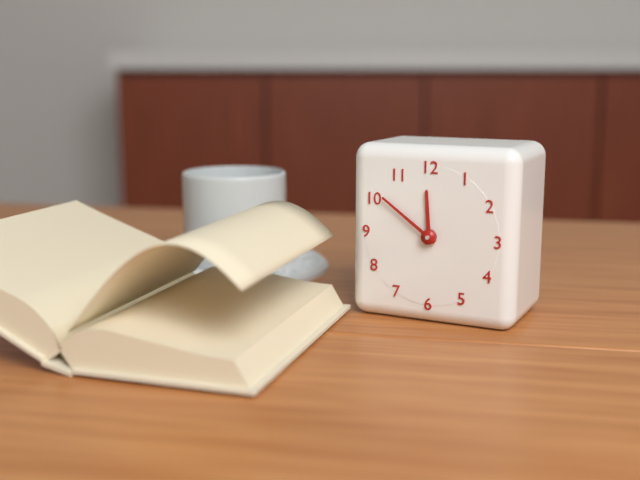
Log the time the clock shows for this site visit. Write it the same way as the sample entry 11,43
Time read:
11,51
